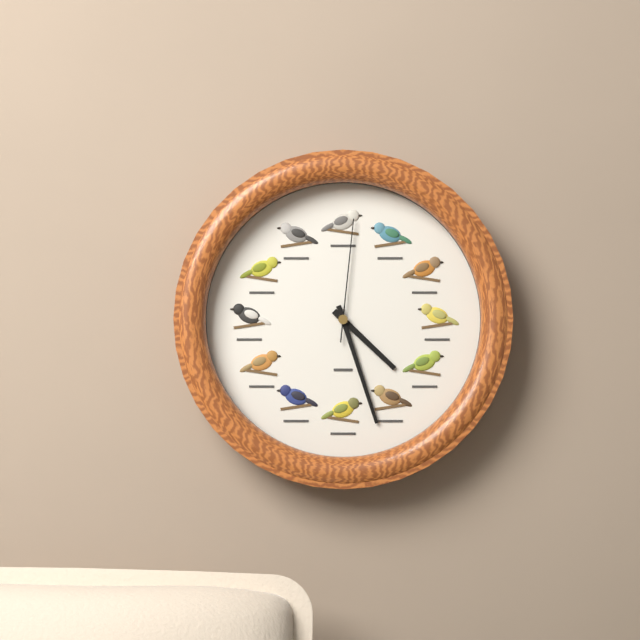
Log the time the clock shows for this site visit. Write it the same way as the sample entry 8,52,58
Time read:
4,27,01
